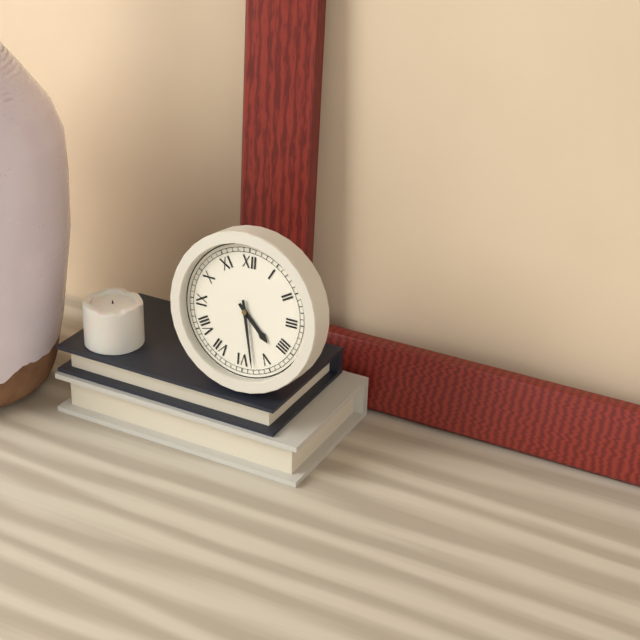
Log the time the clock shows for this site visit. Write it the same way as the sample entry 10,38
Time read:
4,28
